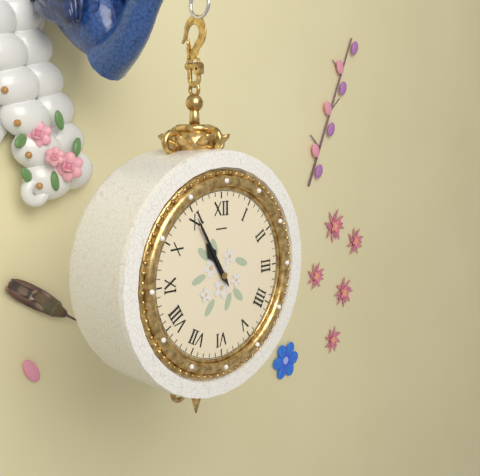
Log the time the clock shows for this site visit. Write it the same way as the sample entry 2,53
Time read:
10,55
